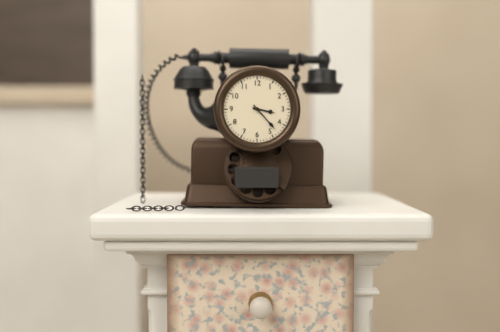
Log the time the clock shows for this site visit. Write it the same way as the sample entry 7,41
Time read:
3,23
